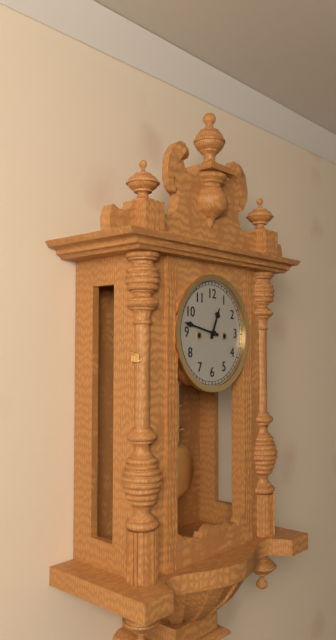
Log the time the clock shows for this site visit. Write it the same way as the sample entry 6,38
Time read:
12,47
